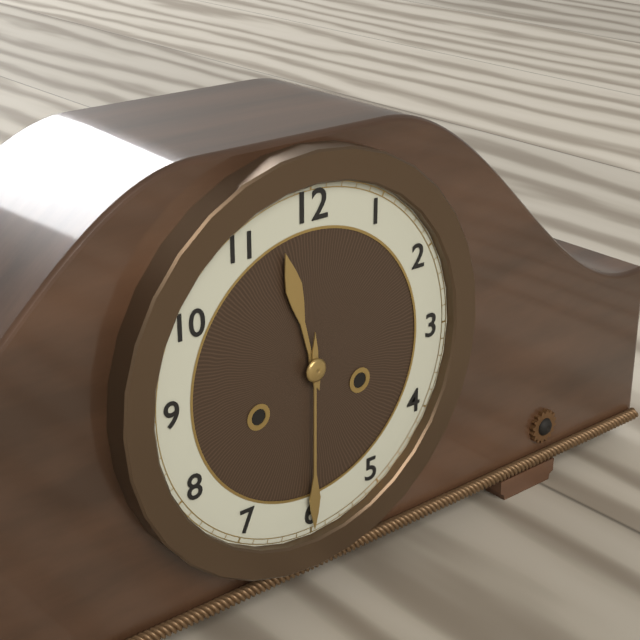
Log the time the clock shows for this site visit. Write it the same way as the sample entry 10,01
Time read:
11,30
